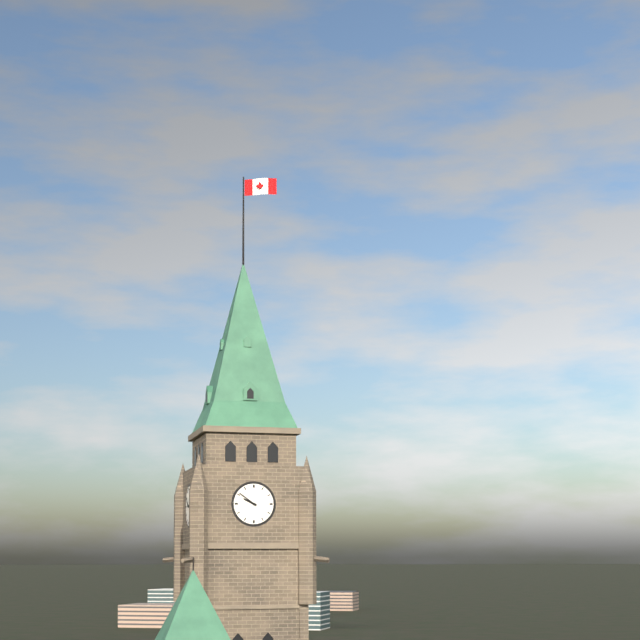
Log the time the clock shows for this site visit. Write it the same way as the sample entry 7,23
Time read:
9,51
